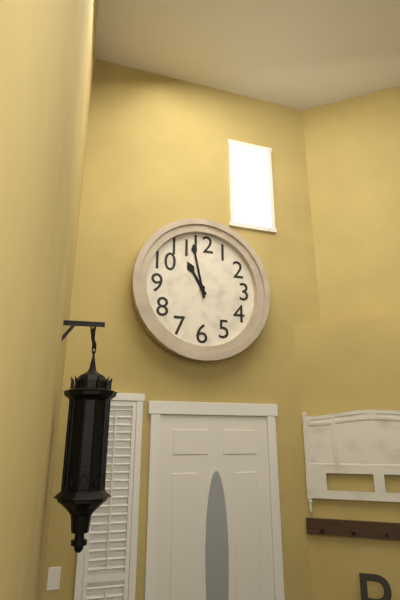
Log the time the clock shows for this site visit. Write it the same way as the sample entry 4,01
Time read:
10,58
